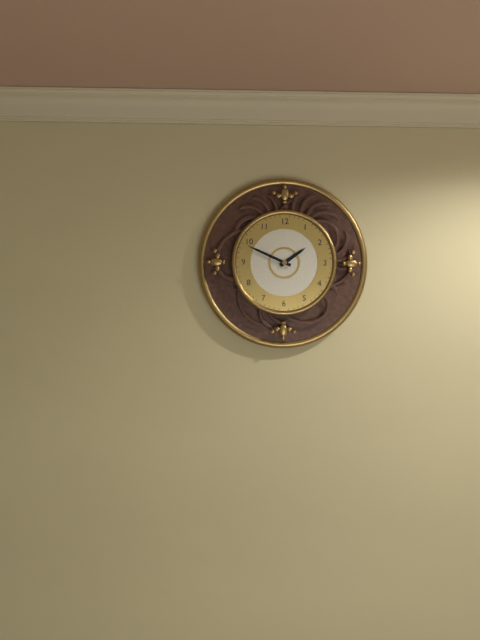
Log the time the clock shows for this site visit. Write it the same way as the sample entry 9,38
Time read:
1,49
